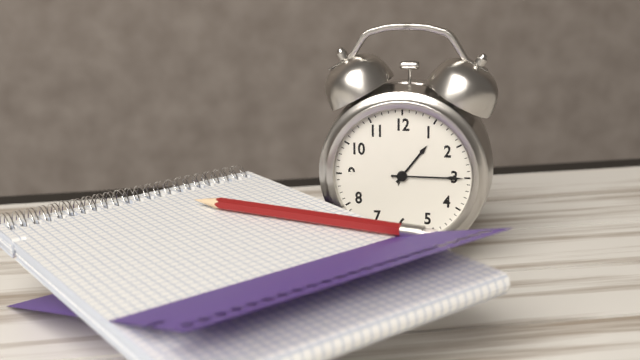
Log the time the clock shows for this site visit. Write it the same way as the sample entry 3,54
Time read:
1,15
